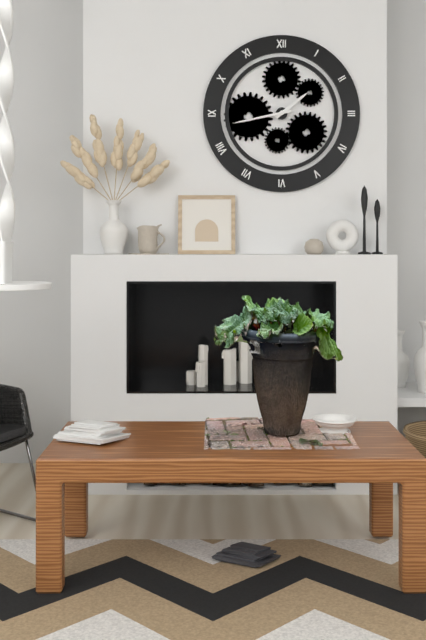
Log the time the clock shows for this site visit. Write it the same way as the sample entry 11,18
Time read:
1,43
